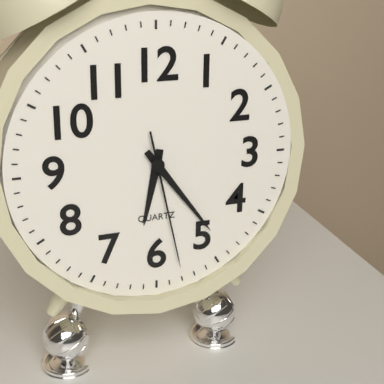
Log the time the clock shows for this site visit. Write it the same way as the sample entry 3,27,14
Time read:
6,24,28
